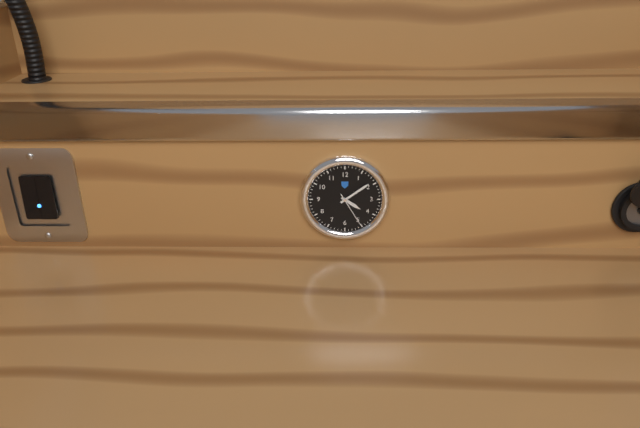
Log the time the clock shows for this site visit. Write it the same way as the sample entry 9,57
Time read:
4,09
